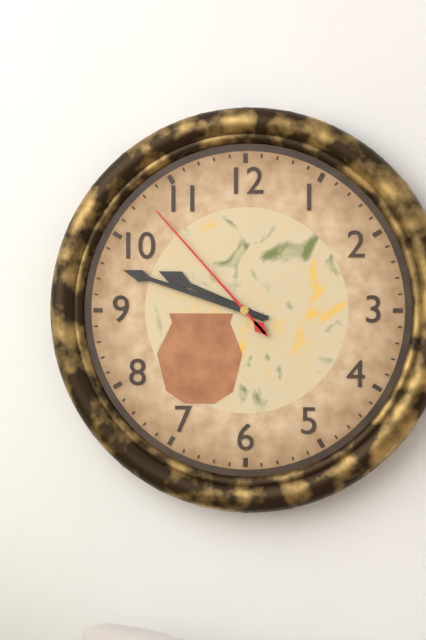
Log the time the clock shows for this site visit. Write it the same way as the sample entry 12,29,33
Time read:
9,48,53
